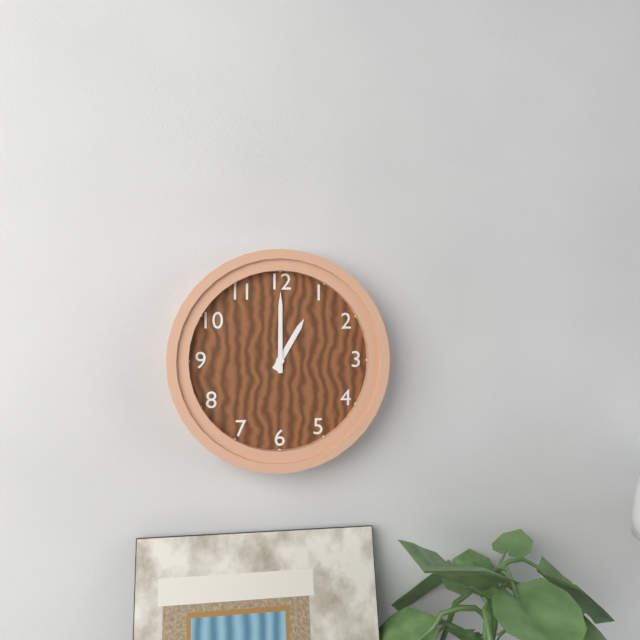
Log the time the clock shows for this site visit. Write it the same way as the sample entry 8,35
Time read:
1,00
